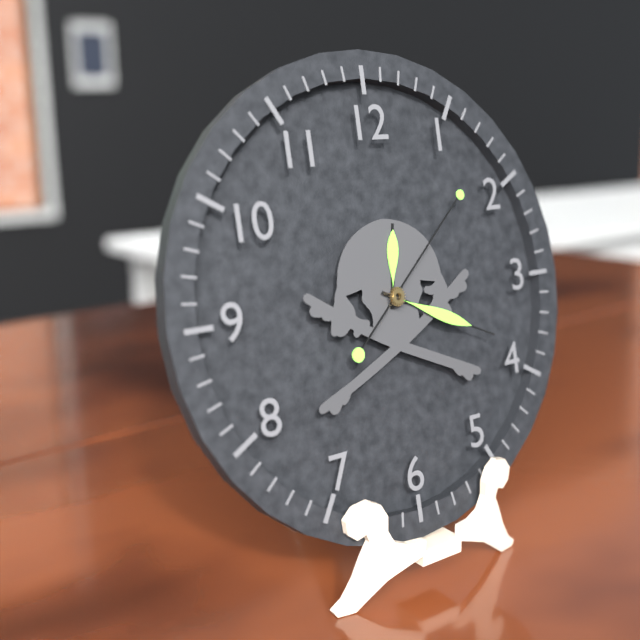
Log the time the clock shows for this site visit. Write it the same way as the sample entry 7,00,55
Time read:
12,19,08
